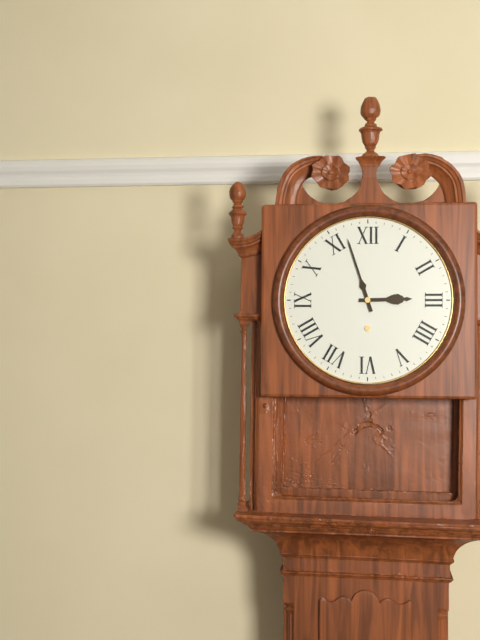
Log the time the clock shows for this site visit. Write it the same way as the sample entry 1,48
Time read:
2,57
